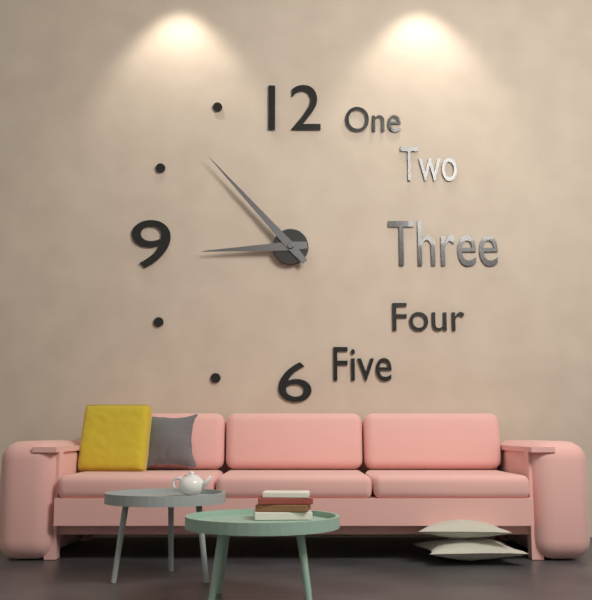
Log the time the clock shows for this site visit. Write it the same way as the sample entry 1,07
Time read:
8,53
